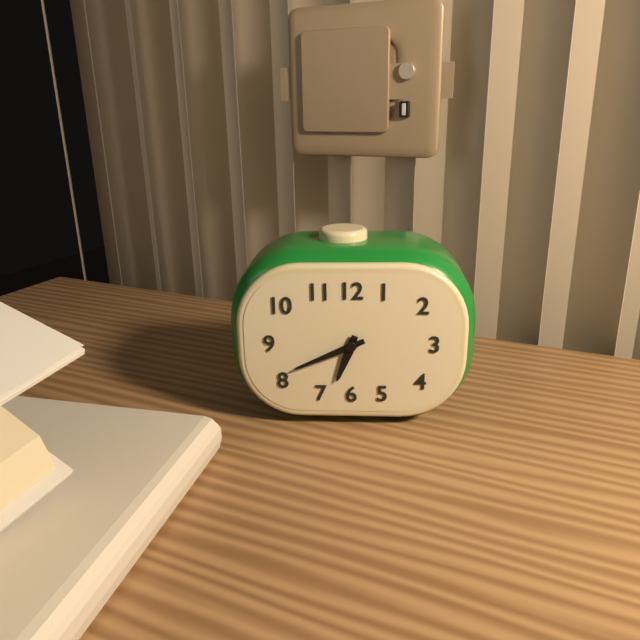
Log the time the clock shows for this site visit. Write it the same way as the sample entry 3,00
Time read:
6,41
